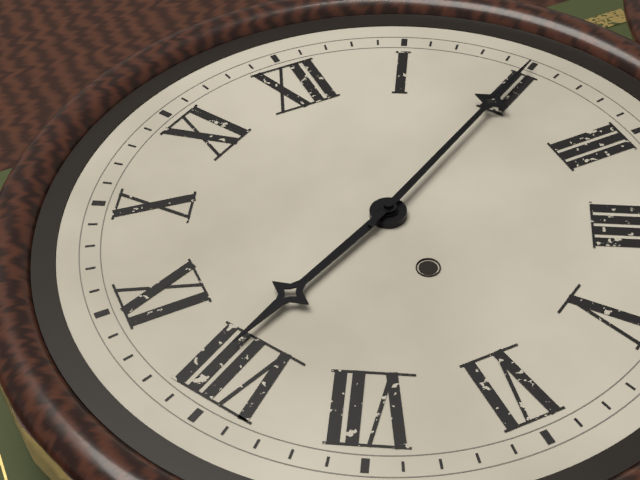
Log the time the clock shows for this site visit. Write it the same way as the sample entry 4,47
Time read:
8,10
